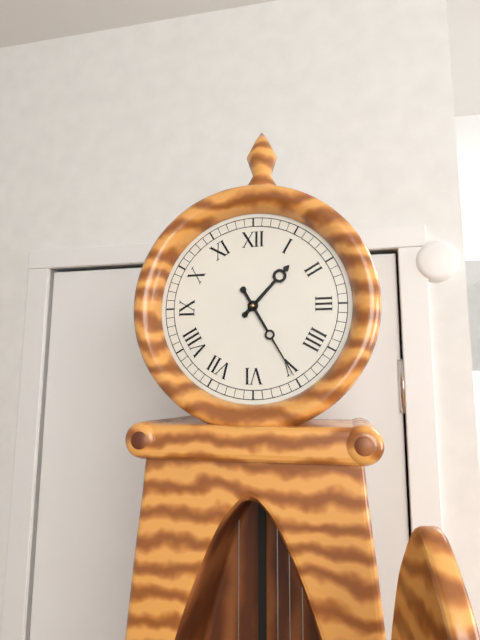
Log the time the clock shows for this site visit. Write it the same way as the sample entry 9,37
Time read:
1,25
